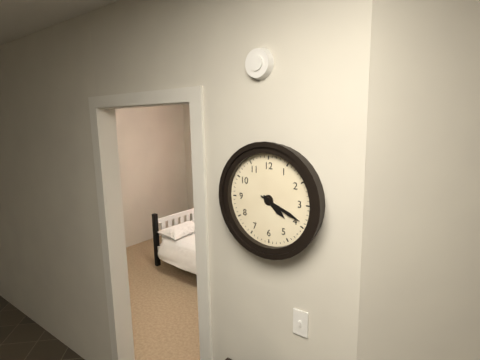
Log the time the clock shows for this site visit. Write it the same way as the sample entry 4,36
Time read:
4,19
